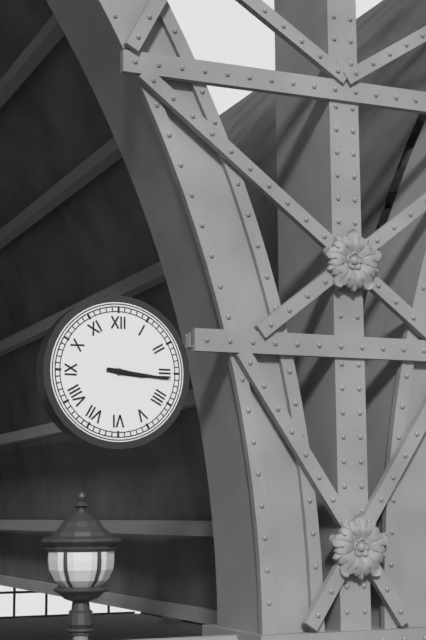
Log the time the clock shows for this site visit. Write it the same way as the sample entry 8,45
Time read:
3,16
